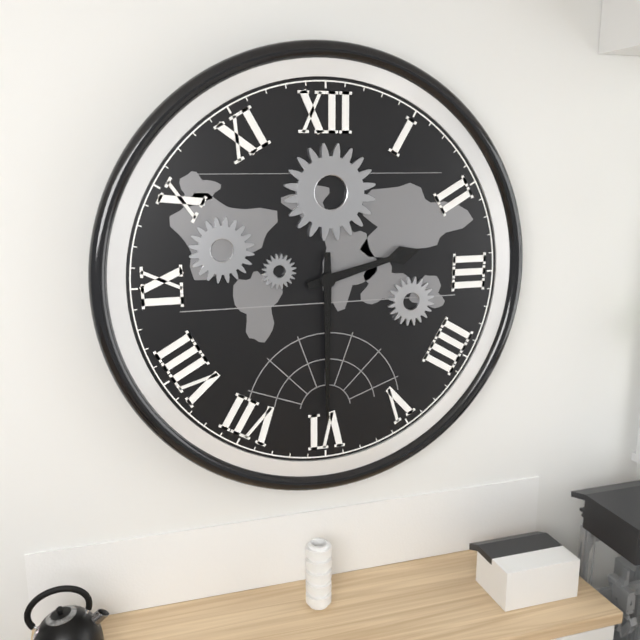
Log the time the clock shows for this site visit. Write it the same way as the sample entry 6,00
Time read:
2,30
